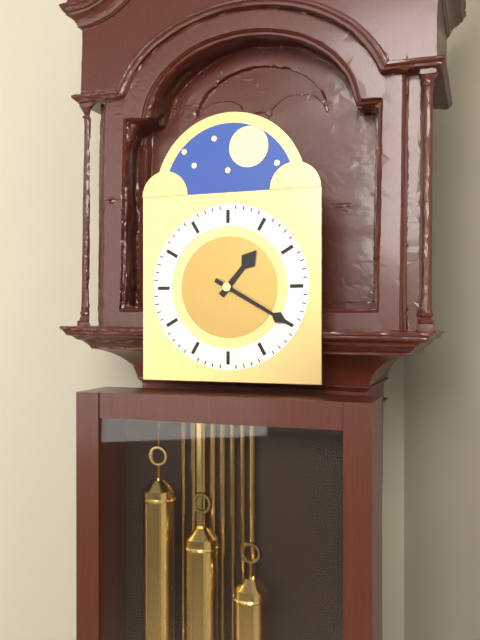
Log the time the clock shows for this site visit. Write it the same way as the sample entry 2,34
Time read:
1,20
